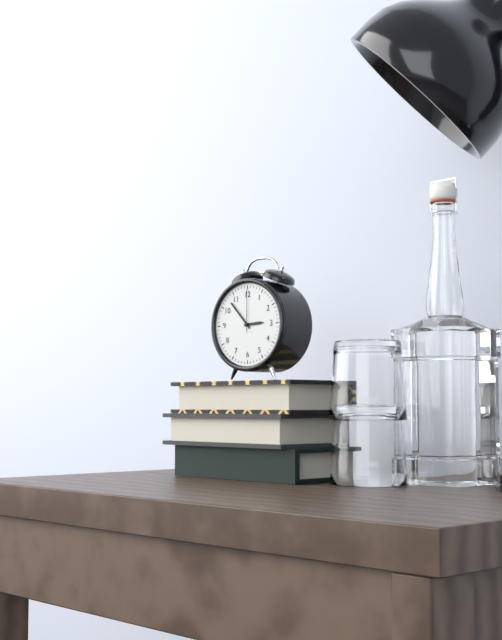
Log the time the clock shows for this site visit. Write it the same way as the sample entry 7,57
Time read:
2,53
